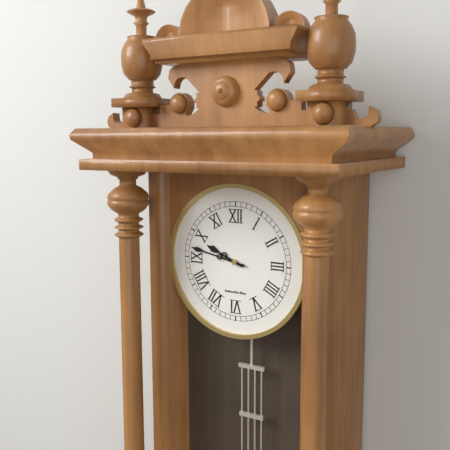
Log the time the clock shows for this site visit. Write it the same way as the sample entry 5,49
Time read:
9,47
